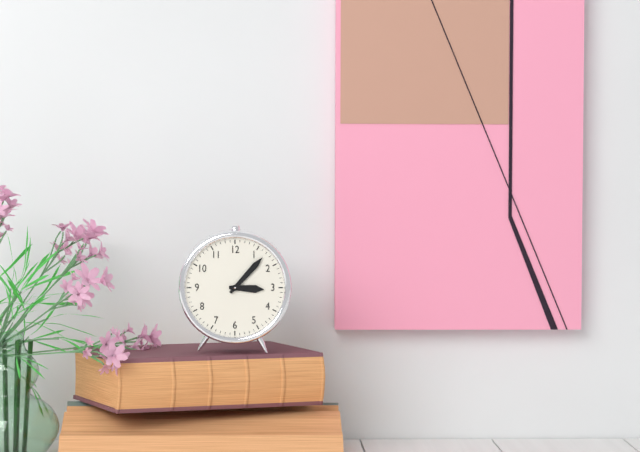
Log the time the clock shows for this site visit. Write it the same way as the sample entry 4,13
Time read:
3,07
